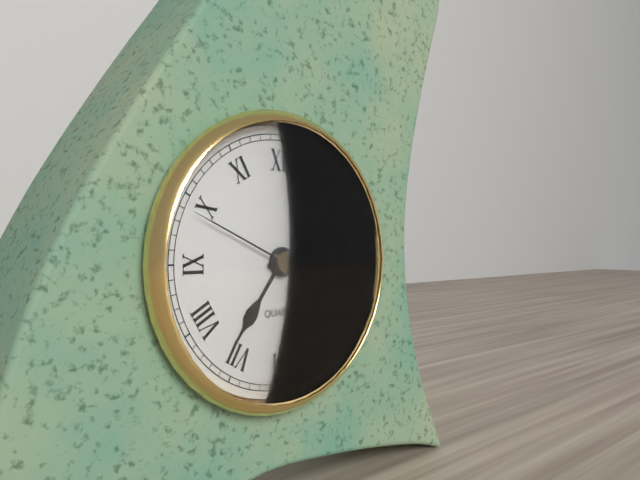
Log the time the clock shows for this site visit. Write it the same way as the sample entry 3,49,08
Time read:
7,13,49
